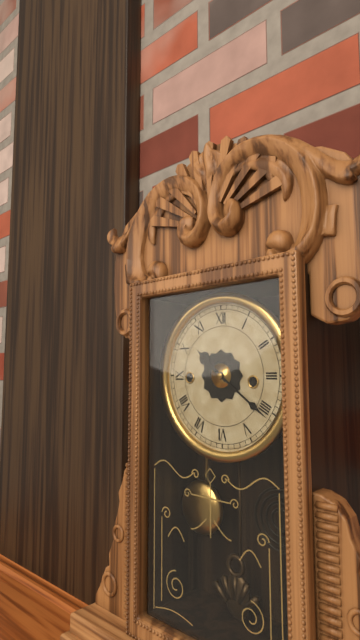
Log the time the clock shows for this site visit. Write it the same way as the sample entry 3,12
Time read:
10,21
